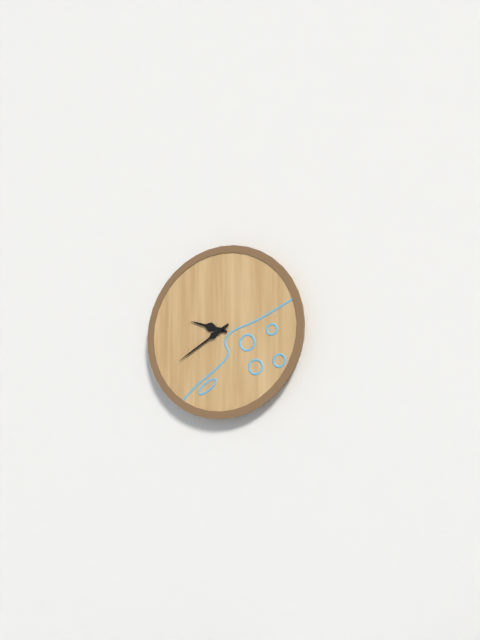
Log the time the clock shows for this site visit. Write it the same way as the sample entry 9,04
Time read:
9,40
